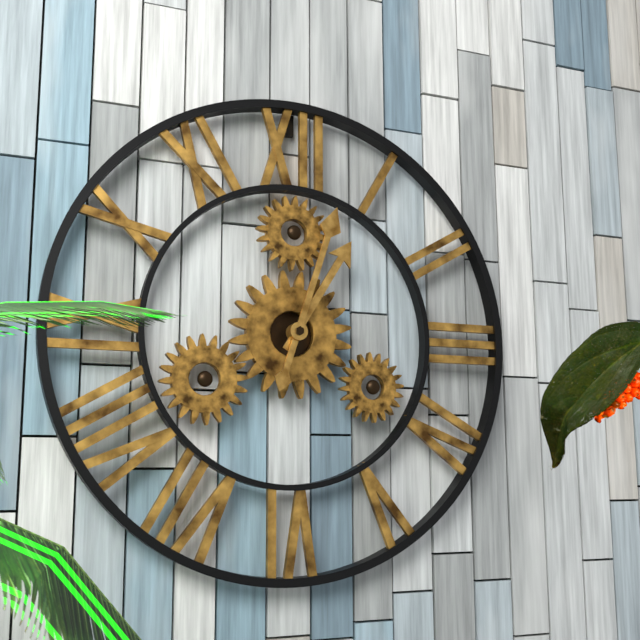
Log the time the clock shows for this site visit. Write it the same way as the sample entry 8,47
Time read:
1,03
